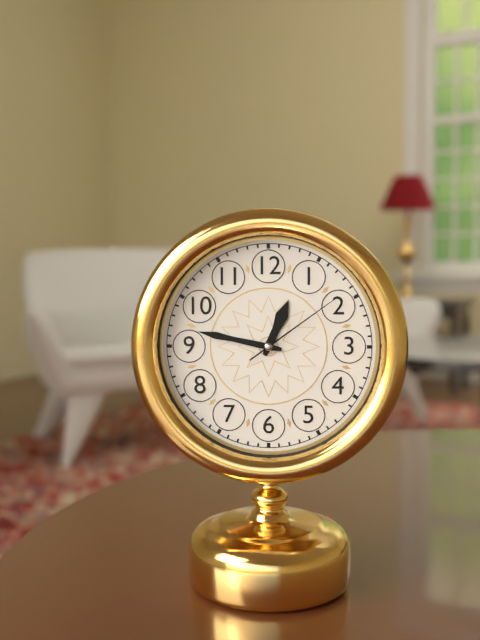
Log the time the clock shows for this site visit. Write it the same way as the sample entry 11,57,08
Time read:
12,47,09
